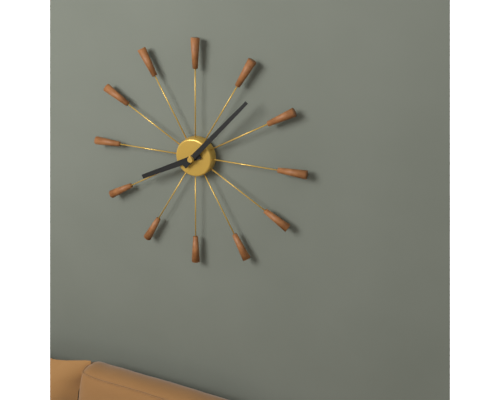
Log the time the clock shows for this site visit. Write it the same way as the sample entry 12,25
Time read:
8,07
